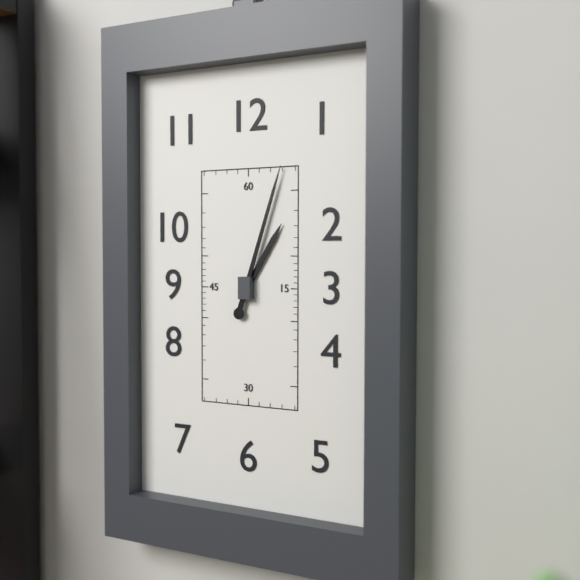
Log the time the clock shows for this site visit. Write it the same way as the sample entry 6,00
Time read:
1,03
